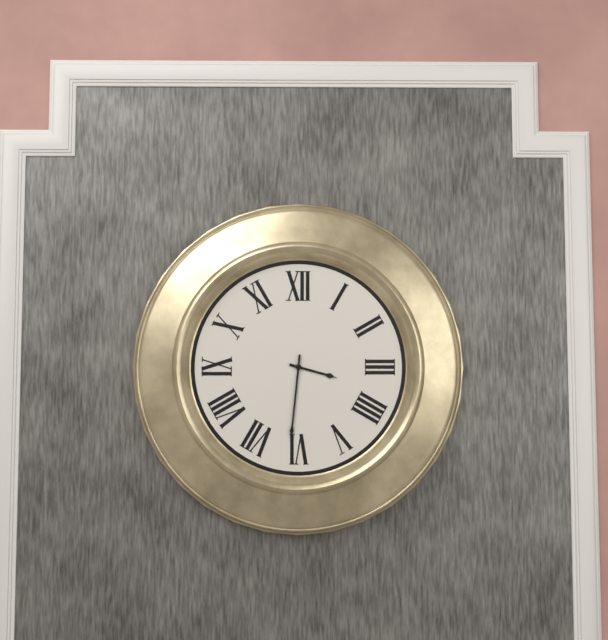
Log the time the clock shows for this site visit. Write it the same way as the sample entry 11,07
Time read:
3,31
